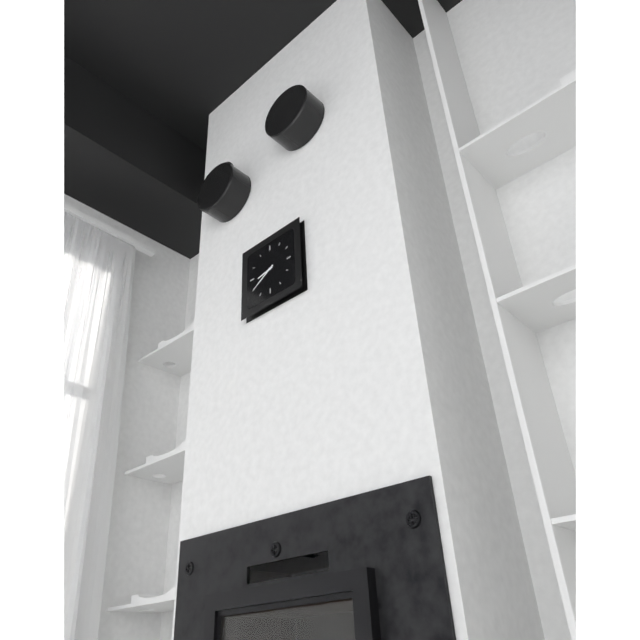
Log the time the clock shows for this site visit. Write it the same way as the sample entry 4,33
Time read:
8,40
